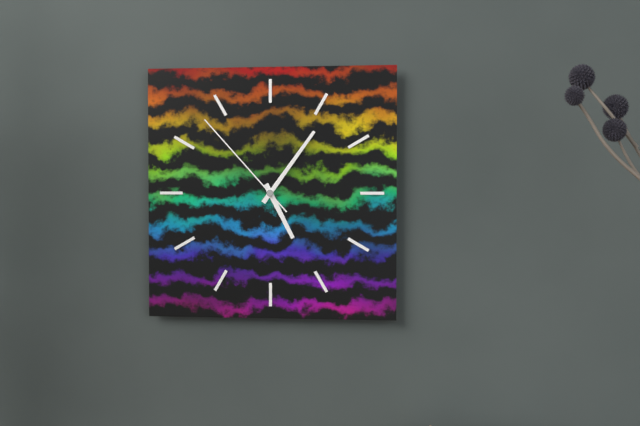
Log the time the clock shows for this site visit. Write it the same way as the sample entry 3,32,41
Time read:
5,06,53
